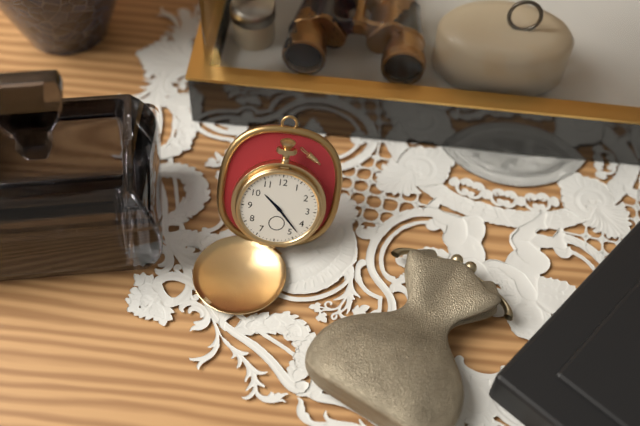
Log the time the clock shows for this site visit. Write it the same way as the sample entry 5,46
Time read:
10,23
